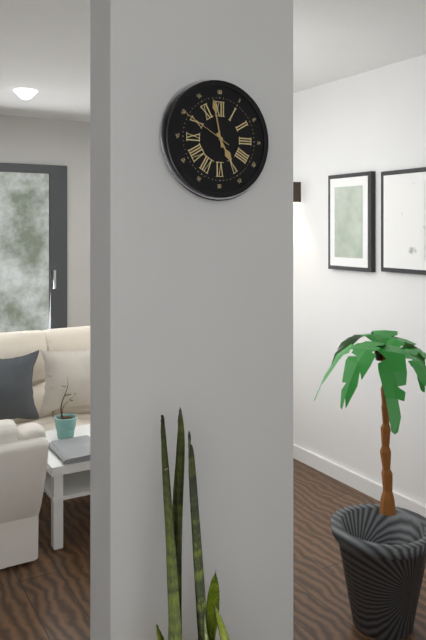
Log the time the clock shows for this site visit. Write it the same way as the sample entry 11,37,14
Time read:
4,58,50
